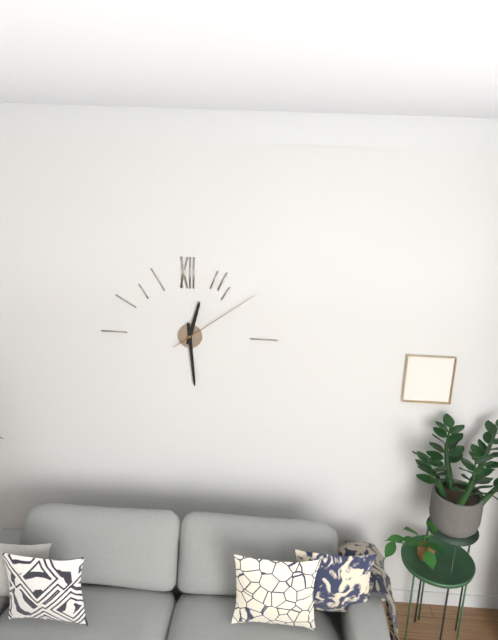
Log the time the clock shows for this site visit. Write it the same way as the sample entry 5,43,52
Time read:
12,29,09
